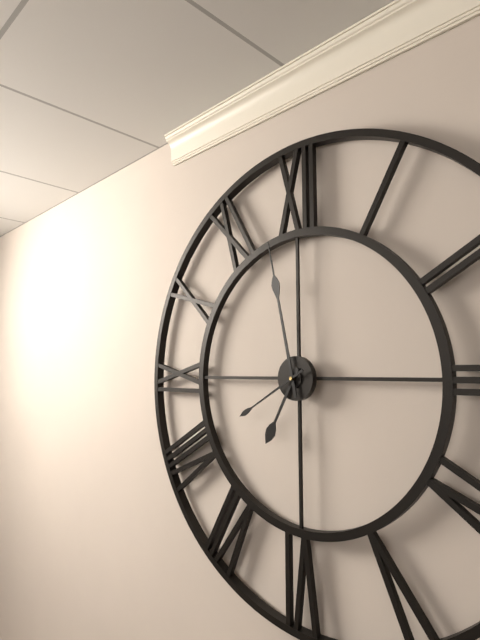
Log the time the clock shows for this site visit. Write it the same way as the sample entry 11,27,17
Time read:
6,58,40
